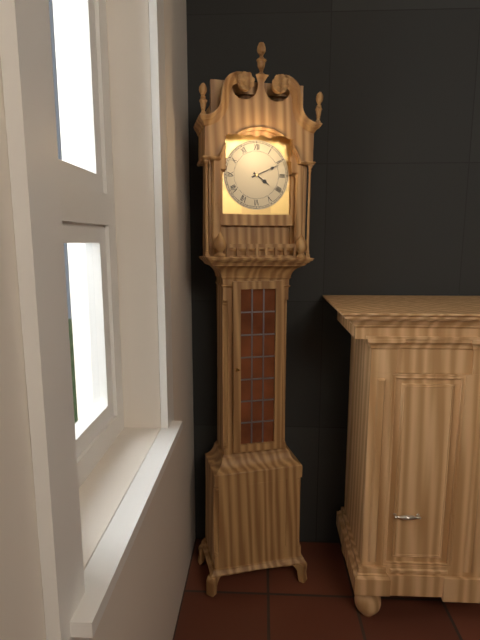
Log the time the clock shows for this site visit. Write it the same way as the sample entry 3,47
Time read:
4,11
